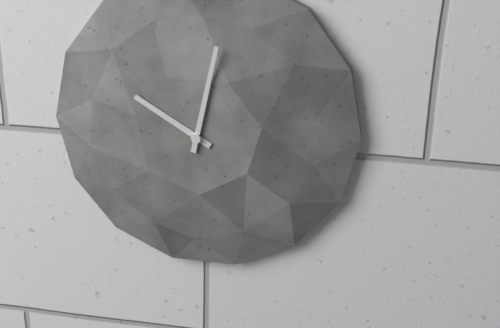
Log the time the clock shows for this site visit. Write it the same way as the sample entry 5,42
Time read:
10,02
